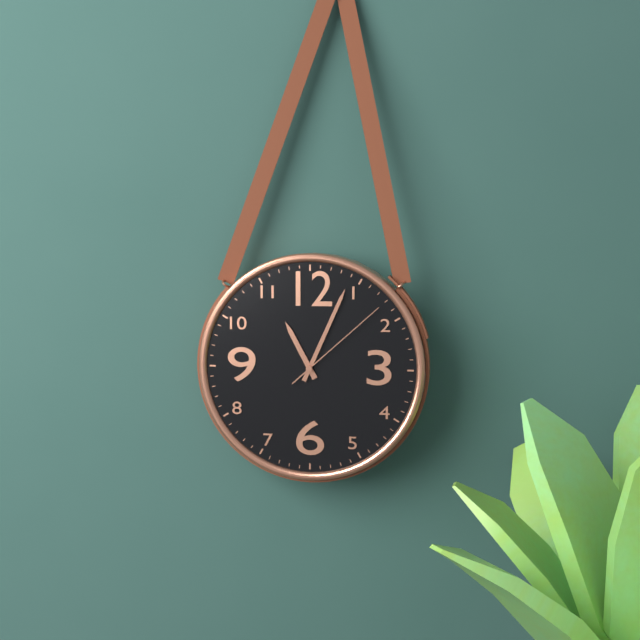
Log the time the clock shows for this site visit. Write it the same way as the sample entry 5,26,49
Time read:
11,04,08
